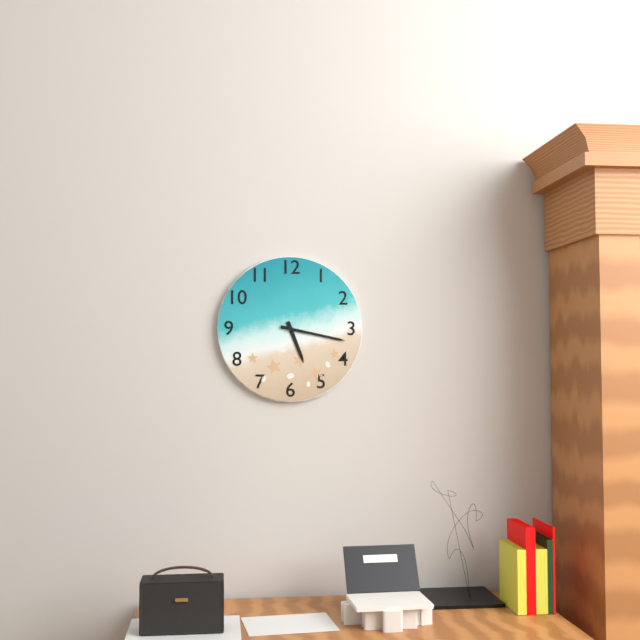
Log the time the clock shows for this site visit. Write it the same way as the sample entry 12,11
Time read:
5,17
